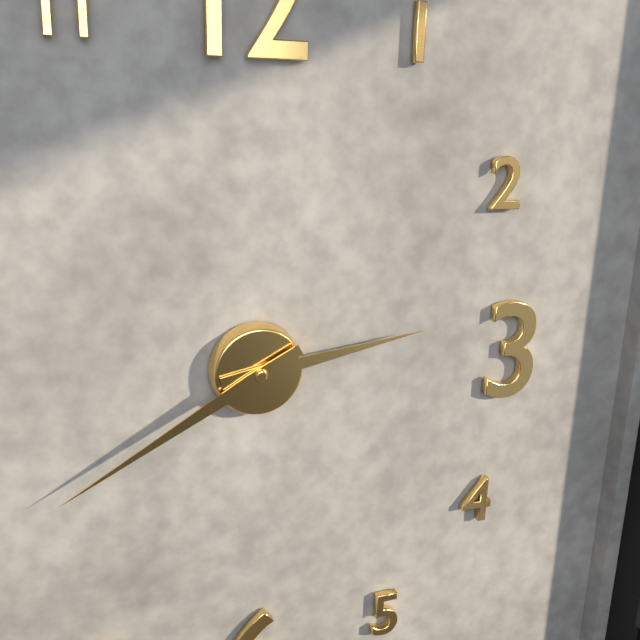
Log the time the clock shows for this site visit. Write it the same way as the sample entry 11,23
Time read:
2,40
